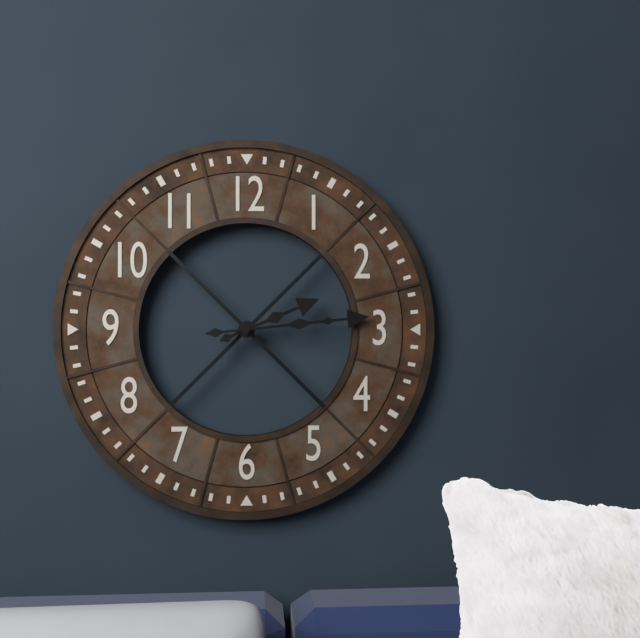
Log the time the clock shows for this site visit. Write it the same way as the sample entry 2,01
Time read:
2,14
